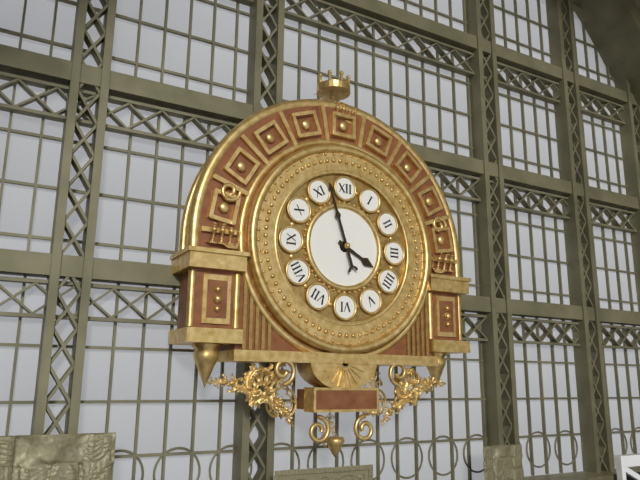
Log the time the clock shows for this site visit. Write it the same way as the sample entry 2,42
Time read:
3,57
